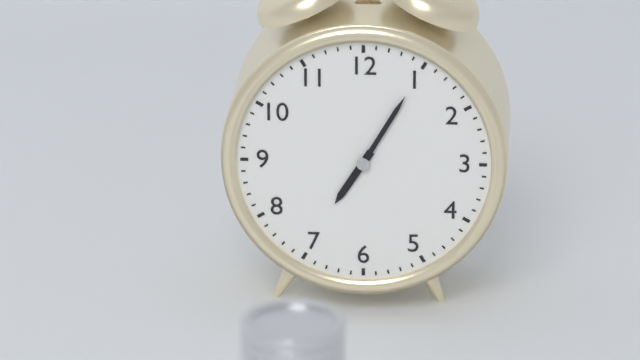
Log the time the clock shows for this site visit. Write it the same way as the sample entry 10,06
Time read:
7,05
